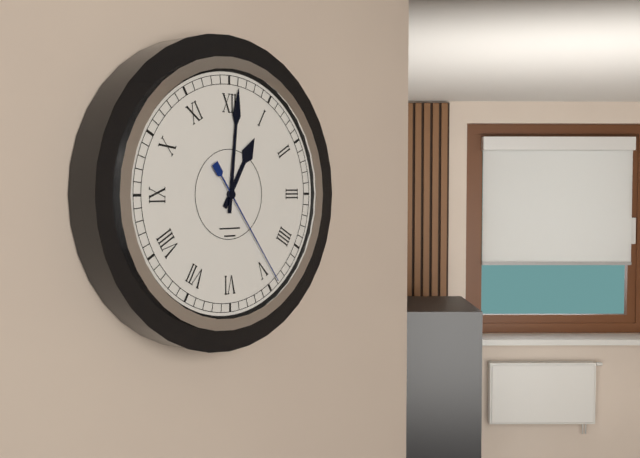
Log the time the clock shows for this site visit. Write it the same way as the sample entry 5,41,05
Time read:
1,01,24
